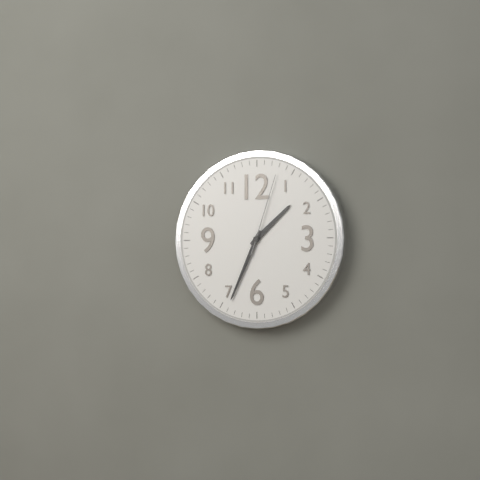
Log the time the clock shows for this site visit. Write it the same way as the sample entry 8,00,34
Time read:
1,34,03
